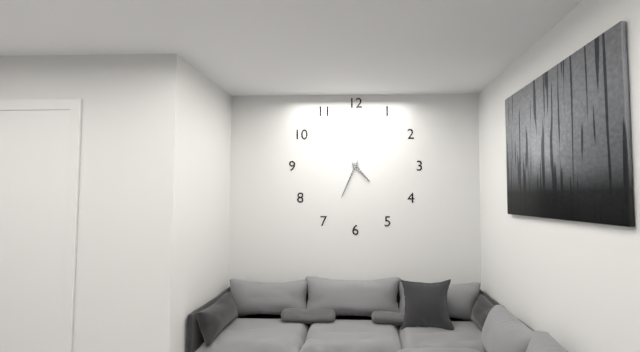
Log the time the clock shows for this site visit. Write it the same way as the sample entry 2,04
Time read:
4,34
